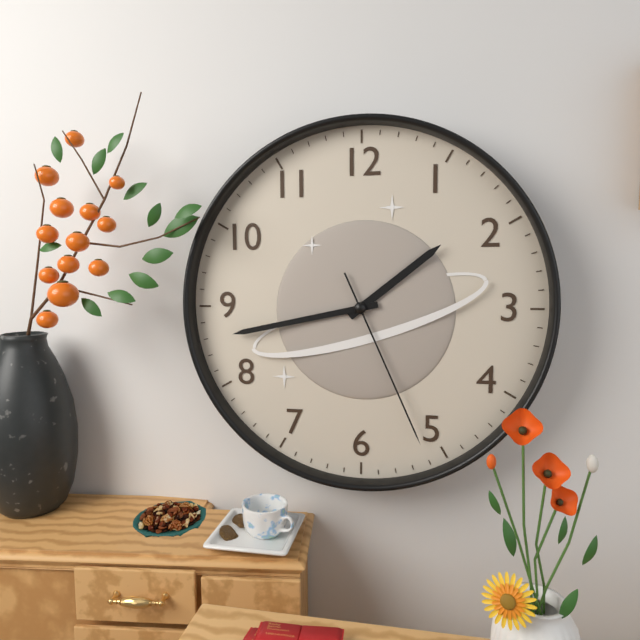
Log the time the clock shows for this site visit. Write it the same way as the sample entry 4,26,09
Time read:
1,43,26
